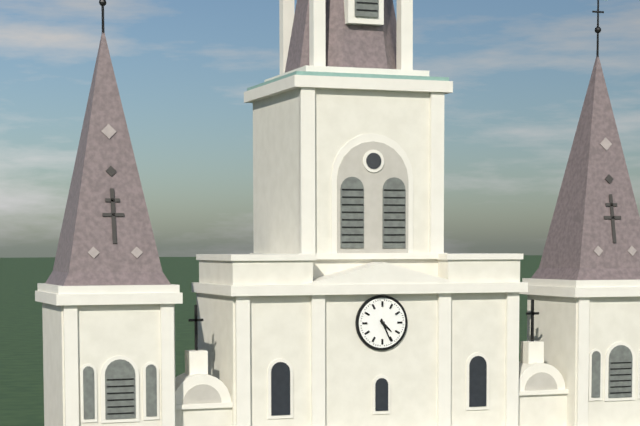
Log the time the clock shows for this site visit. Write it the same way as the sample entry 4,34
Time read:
4,26
